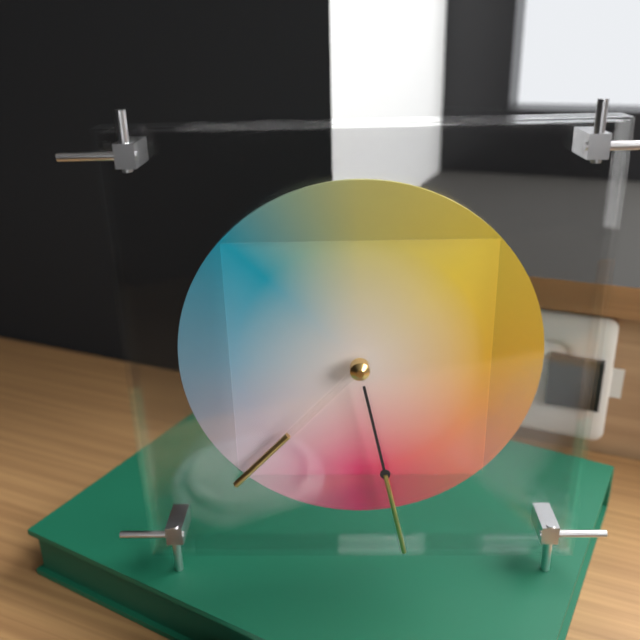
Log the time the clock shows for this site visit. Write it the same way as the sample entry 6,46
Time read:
7,28
